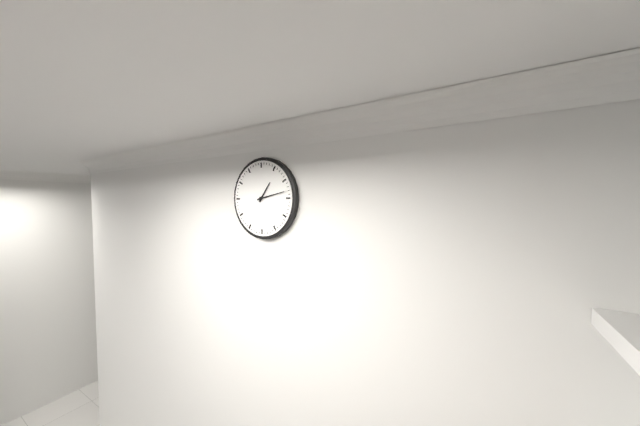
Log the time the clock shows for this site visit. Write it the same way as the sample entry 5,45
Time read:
1,13
